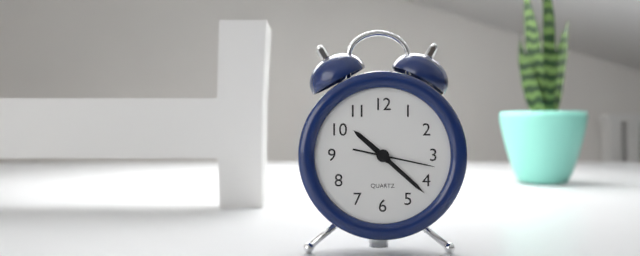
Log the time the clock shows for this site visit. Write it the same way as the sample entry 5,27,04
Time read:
10,22,17
